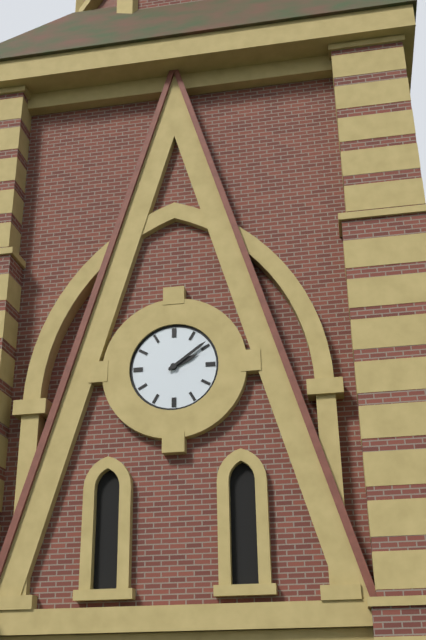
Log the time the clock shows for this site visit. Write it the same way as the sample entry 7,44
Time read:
2,09
